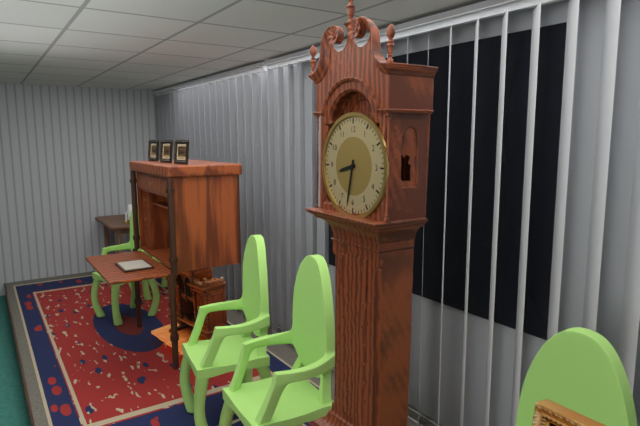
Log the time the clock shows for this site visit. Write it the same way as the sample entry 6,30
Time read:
8,32
